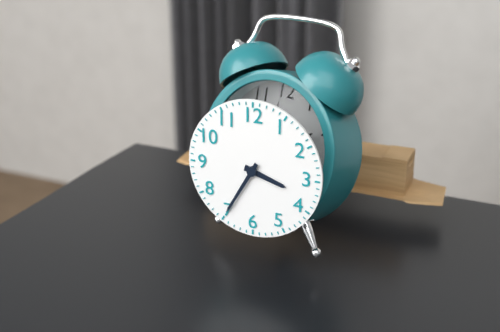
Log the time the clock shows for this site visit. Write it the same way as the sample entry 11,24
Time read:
3,35
